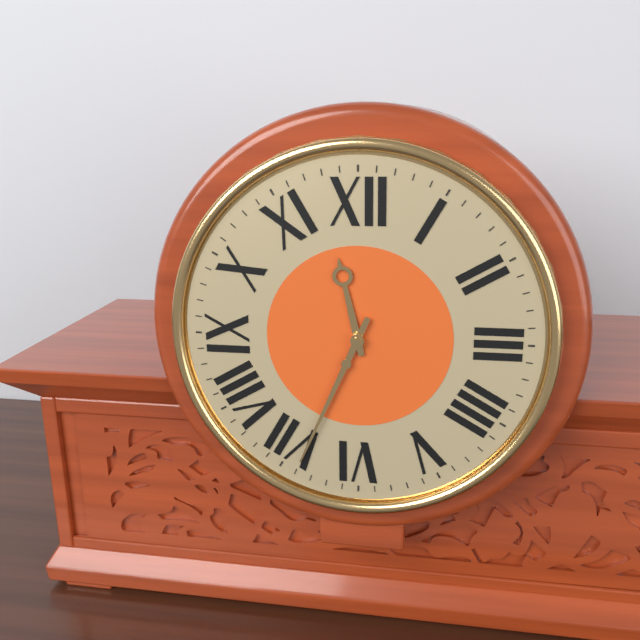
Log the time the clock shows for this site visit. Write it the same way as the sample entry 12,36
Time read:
11,34
